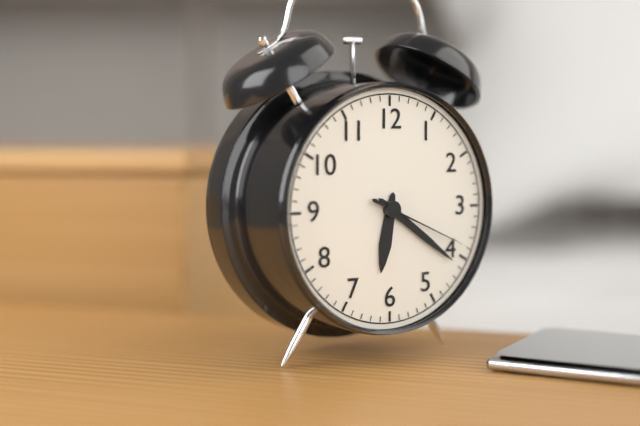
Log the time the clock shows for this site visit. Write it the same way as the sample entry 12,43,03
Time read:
6,21,19
